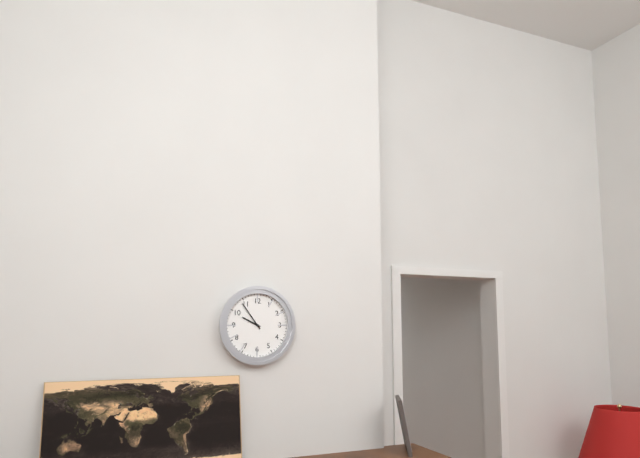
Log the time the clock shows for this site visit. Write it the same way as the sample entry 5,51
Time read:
9,54
